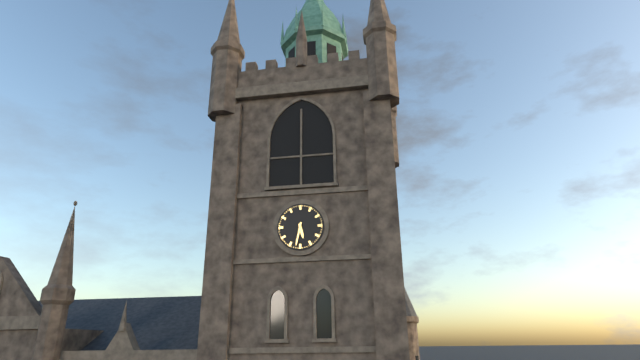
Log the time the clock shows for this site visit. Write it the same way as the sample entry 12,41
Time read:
5,32
